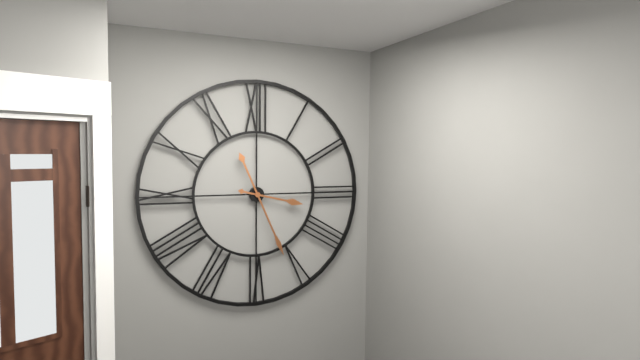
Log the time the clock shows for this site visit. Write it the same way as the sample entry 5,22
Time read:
3,26
